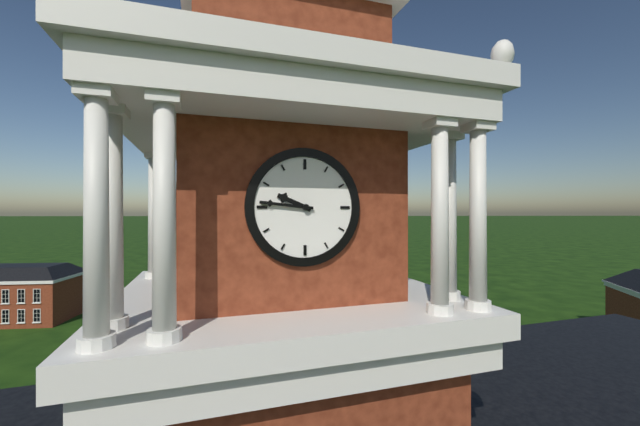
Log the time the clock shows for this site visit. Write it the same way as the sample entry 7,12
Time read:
9,46
